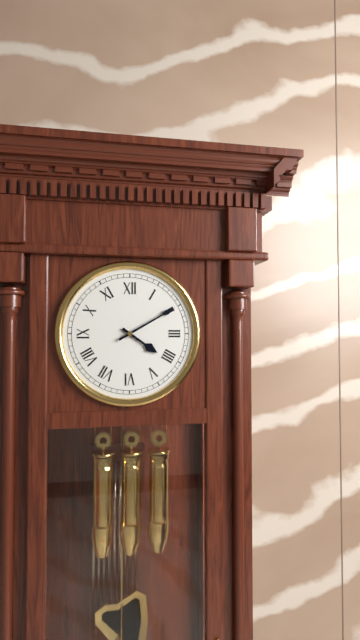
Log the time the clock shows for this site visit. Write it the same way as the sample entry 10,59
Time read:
4,10
